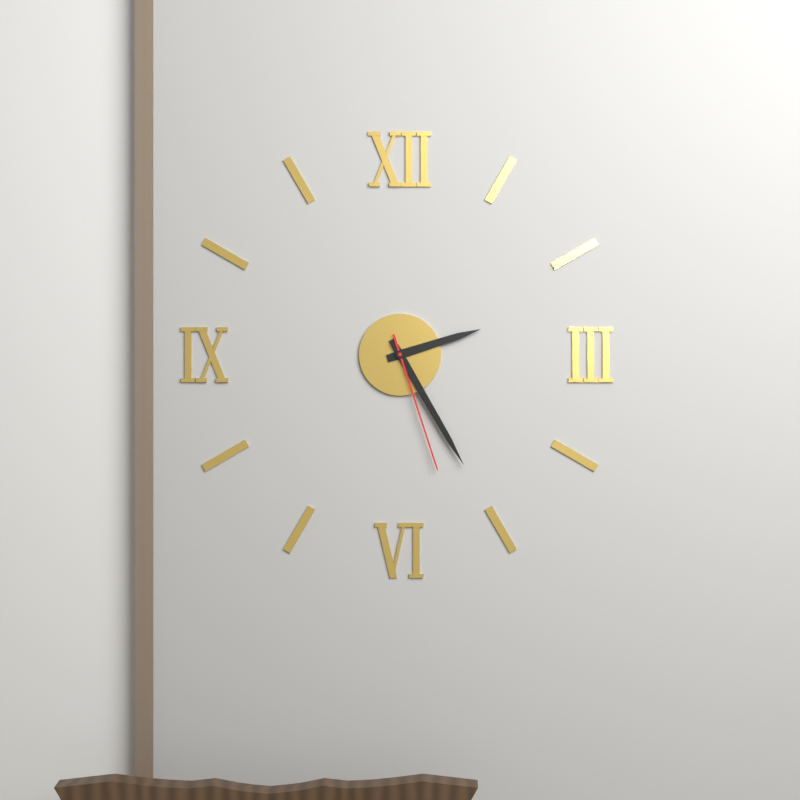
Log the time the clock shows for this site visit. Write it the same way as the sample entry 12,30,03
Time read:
2,25,27
